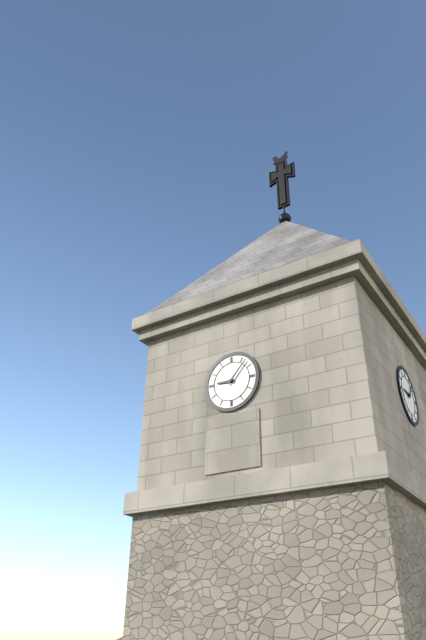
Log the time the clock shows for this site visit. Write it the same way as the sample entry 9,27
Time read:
9,07
